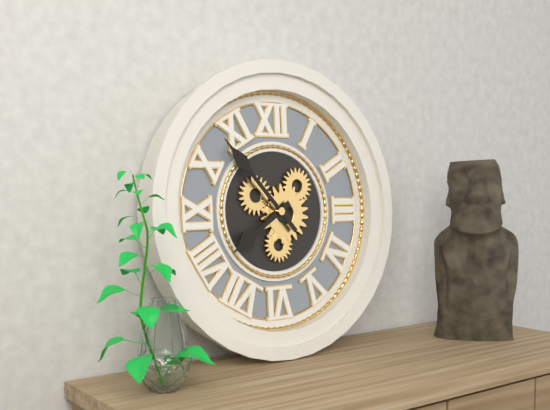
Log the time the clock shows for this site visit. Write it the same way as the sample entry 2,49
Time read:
7,53
